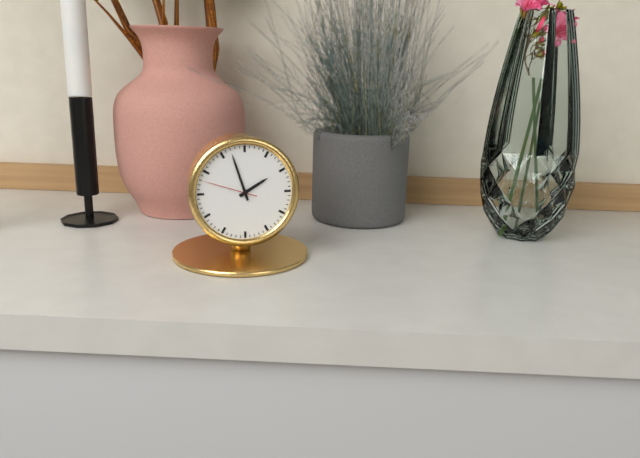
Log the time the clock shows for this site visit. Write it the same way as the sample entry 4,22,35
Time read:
1,57,48
